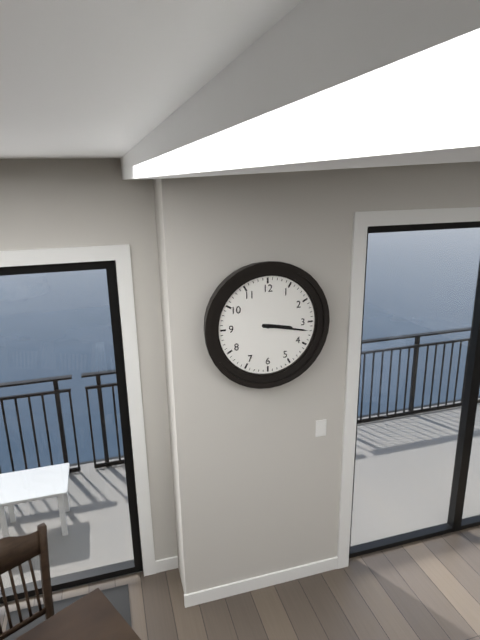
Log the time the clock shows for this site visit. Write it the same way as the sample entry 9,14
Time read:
3,17
